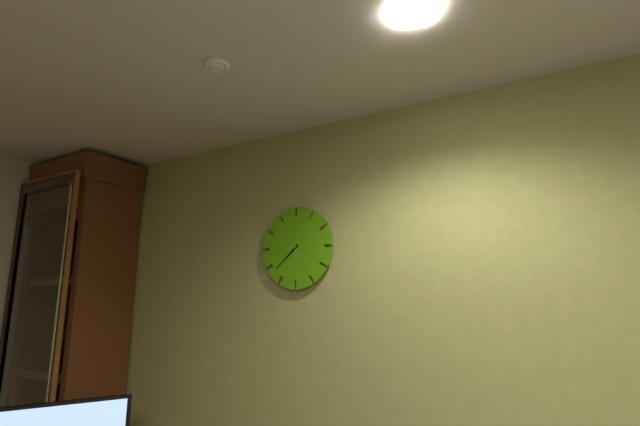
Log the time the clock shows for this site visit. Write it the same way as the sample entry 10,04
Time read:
7,38
